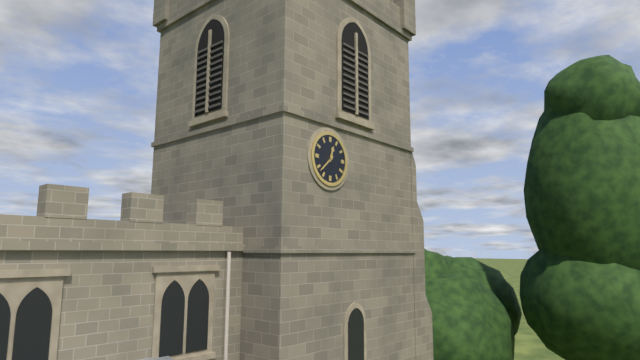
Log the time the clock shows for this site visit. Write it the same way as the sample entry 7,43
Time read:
12,38
